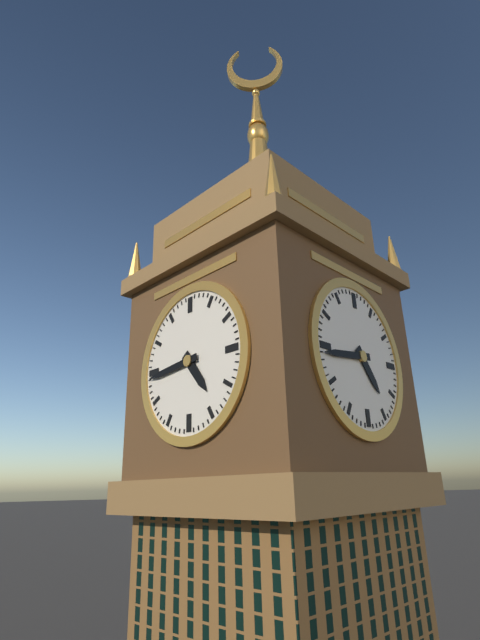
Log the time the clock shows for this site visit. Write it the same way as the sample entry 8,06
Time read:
4,44
